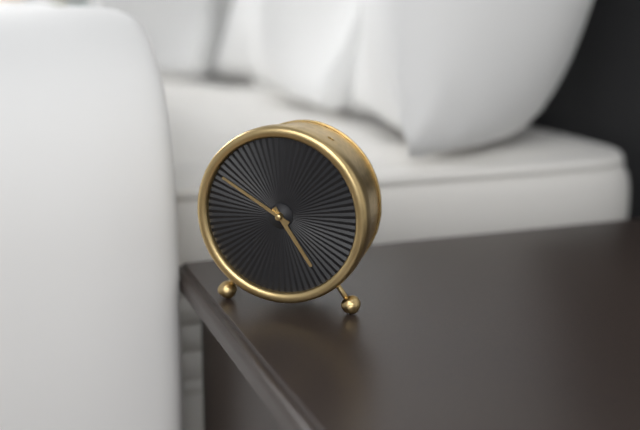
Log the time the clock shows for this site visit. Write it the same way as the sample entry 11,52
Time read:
4,50
